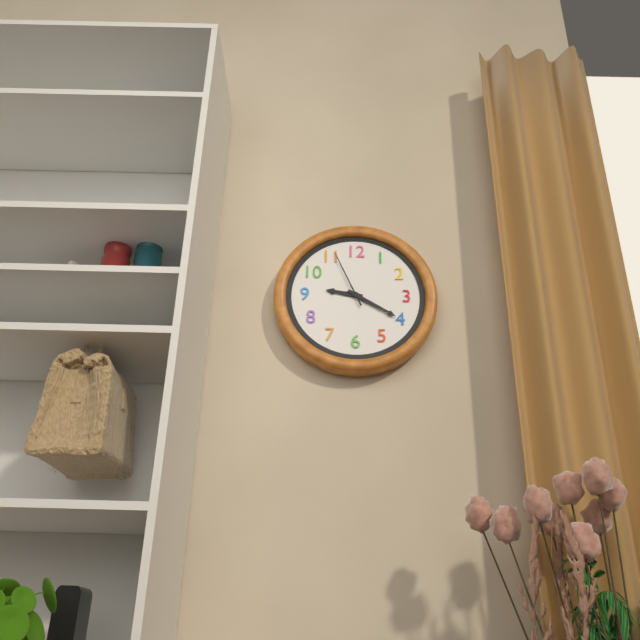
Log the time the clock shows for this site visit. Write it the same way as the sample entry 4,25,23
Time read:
9,20,56
